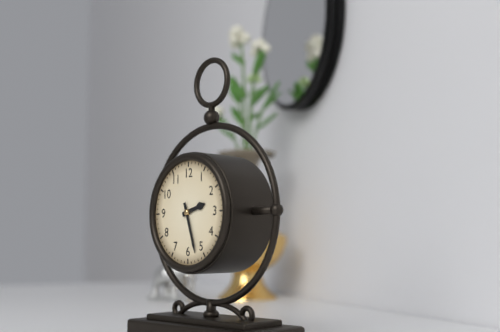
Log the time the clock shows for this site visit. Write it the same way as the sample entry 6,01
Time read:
2,27
